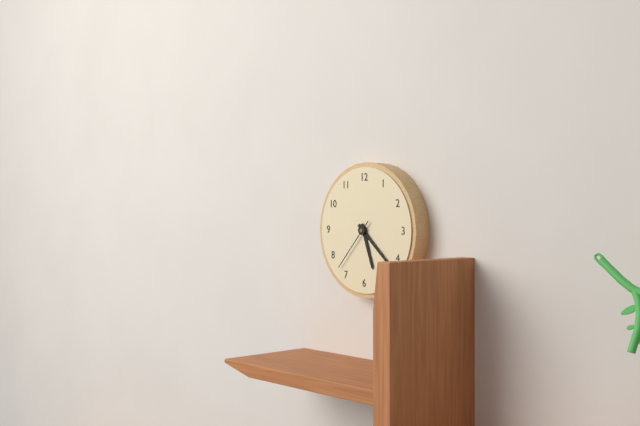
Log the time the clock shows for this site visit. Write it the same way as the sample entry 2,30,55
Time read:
5,22,37
